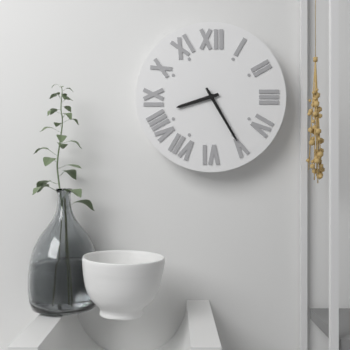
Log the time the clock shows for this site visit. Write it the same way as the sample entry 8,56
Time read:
8,25
